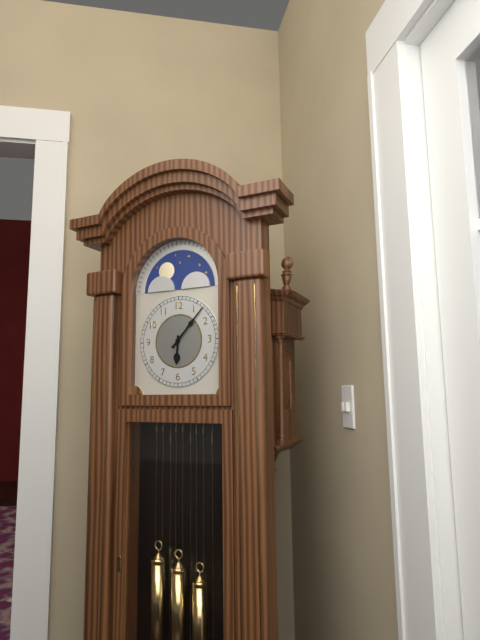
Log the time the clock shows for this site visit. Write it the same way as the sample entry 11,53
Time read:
6,07
